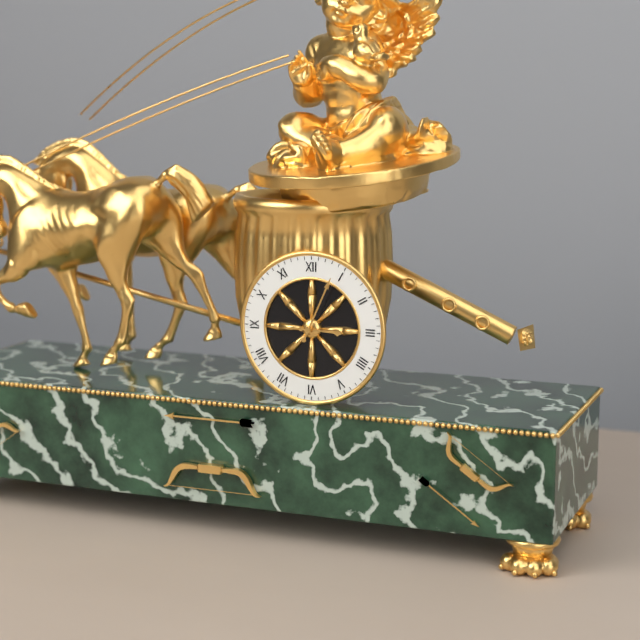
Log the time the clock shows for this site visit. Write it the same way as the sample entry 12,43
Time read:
3,04
